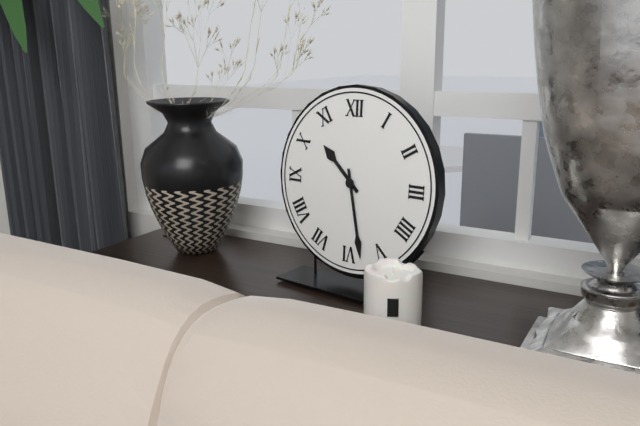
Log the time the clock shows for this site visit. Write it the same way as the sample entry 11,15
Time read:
10,28
